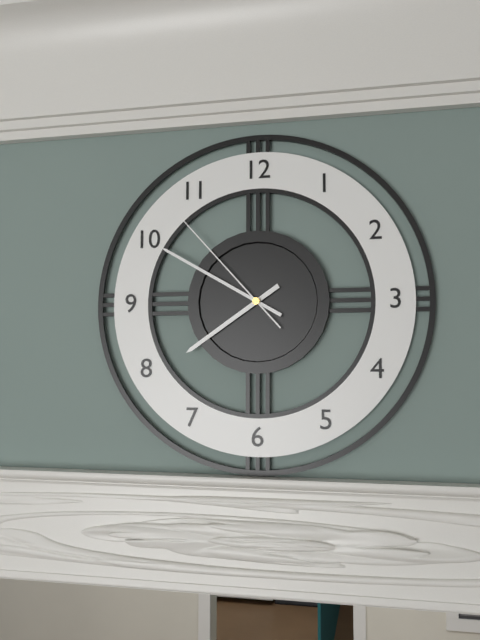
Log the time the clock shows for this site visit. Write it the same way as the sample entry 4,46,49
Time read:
7,50,53
